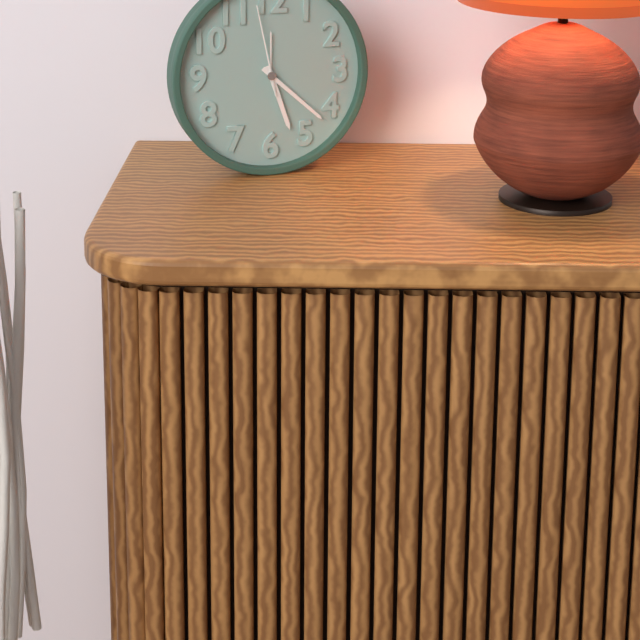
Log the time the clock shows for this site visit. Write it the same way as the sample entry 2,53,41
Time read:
5,22,58
